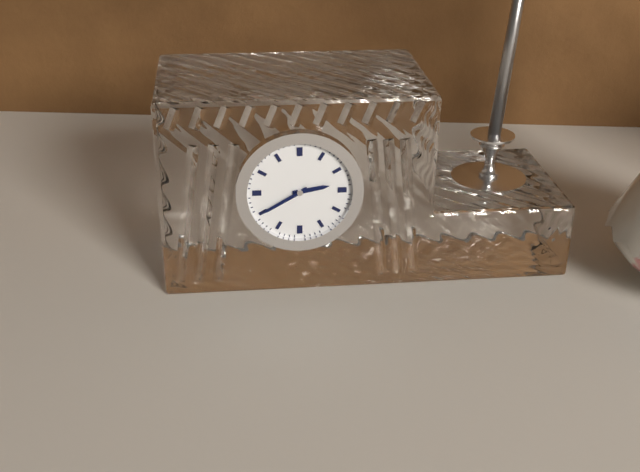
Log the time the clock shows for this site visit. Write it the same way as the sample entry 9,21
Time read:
2,40
